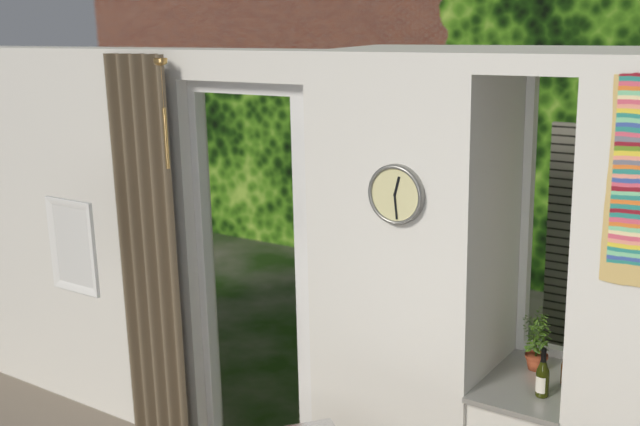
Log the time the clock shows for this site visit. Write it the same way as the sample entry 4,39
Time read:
12,29
